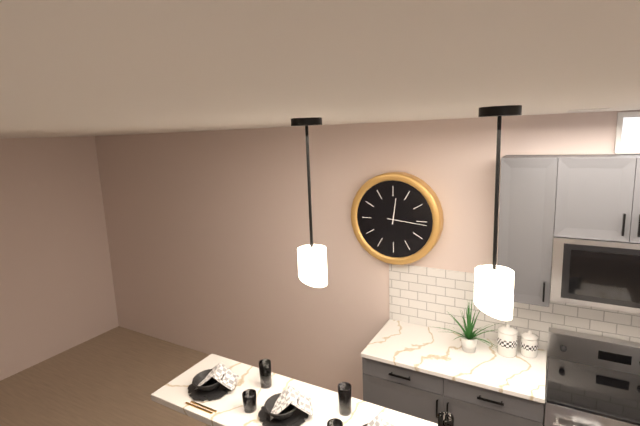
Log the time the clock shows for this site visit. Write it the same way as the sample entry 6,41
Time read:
12,16
